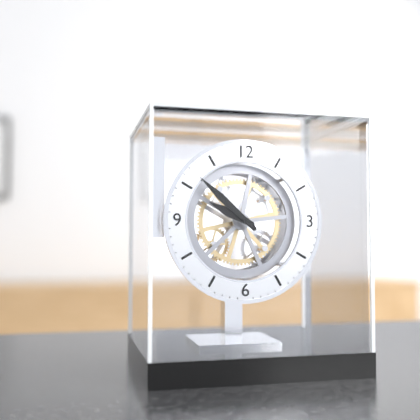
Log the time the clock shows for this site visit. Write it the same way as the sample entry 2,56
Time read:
9,52
